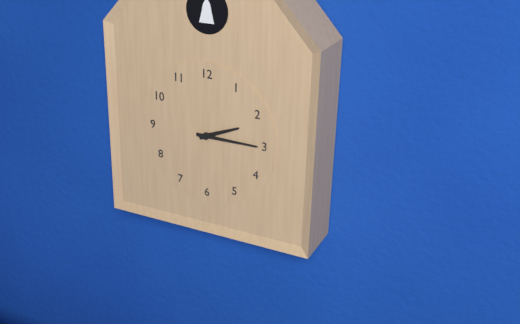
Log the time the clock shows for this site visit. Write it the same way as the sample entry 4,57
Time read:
2,15
